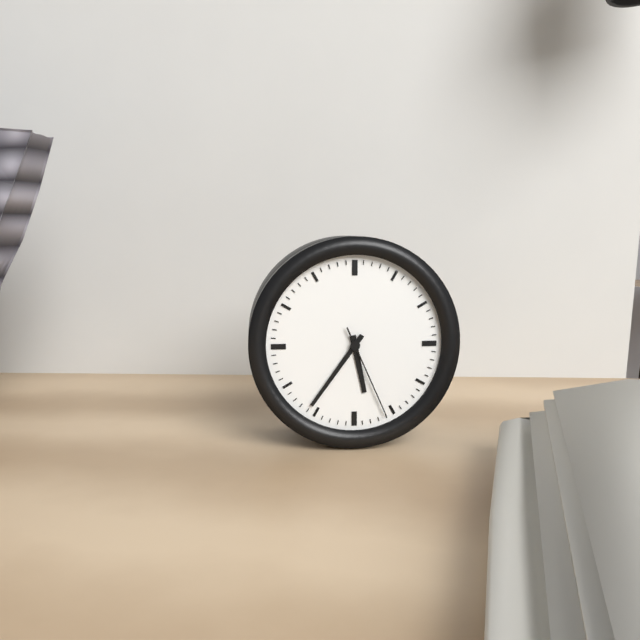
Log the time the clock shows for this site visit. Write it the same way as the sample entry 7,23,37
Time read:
5,36,26
